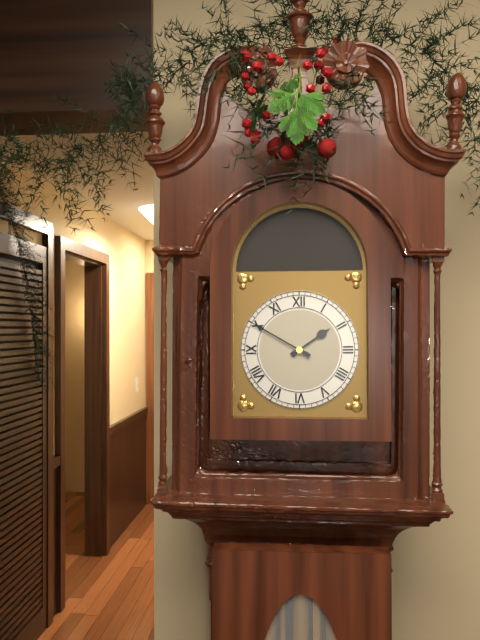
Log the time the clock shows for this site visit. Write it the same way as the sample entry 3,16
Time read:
1,50
